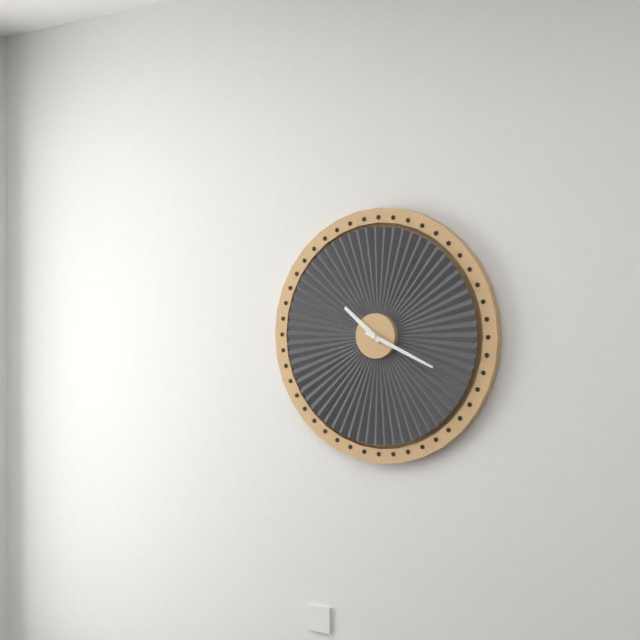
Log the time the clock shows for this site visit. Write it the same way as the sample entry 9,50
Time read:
10,19
